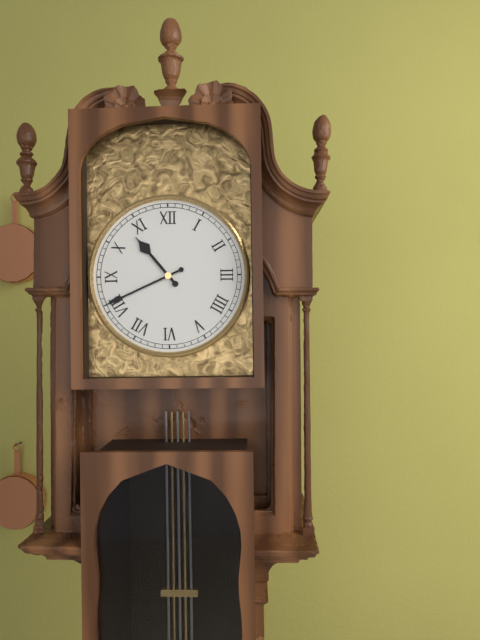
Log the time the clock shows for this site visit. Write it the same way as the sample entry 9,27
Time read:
10,41
